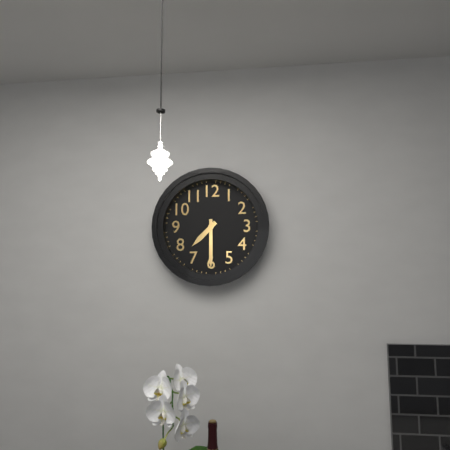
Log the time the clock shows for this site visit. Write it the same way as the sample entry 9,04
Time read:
7,30
